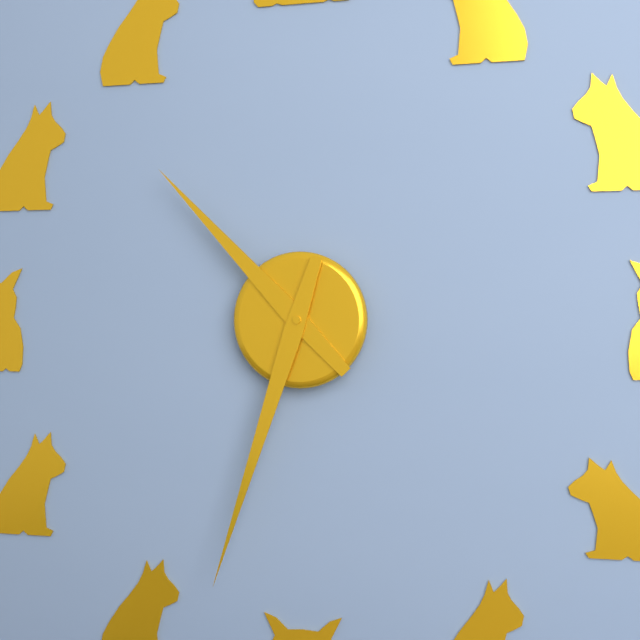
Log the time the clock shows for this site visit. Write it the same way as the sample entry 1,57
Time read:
10,33
